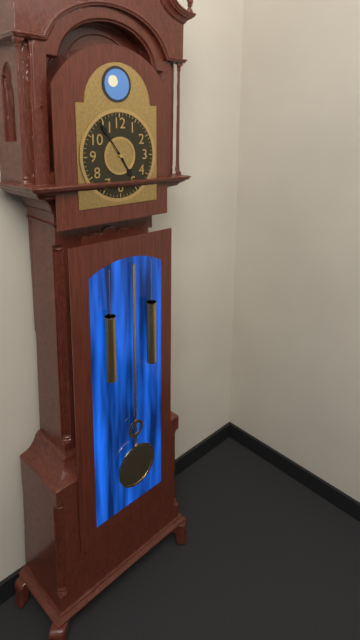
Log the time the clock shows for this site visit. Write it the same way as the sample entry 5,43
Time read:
4,54
